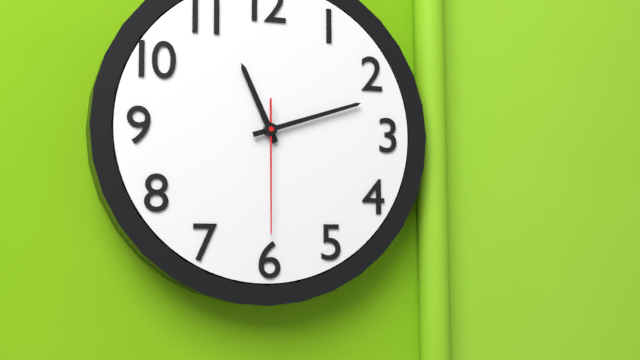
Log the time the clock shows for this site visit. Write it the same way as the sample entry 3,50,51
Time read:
11,12,30
